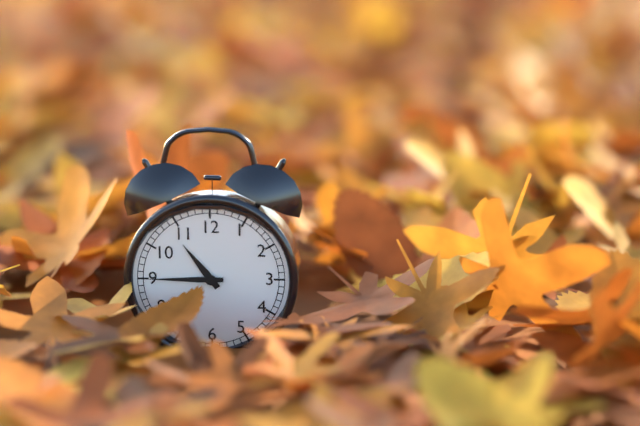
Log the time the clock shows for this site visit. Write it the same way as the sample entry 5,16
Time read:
10,45
